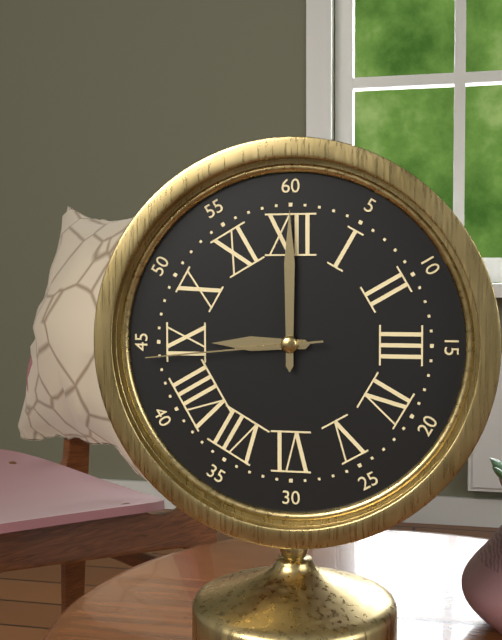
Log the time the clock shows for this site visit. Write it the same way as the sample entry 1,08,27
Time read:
9,00,44
